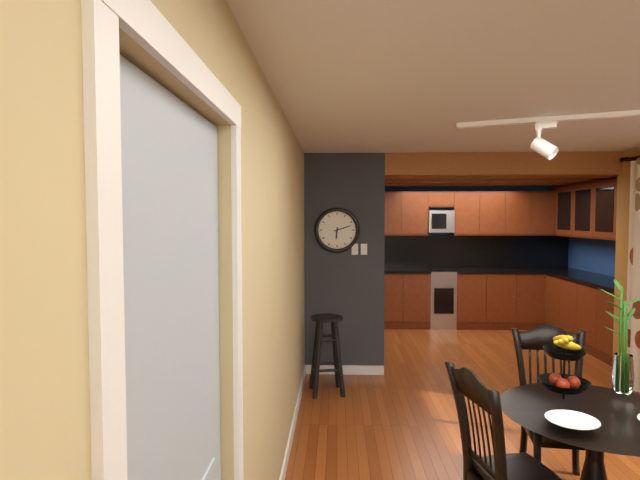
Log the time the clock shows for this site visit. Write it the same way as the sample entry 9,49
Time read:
6,12
